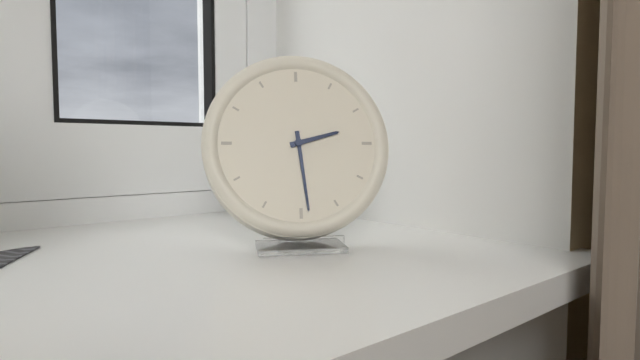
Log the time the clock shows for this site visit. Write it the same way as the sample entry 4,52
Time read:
2,29
